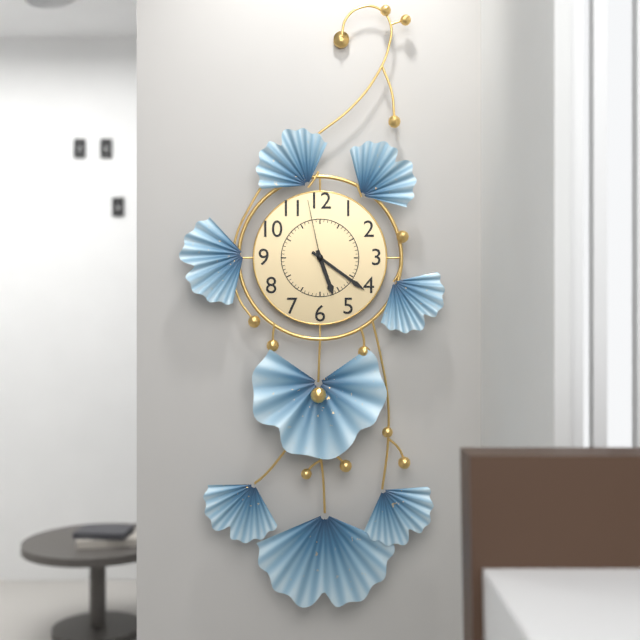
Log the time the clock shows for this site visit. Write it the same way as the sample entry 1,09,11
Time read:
5,21,58
